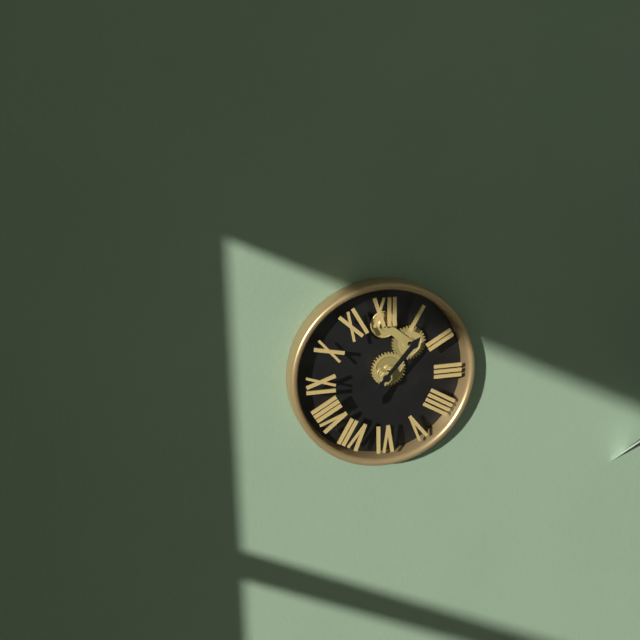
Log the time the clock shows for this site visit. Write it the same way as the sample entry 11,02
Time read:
7,07
